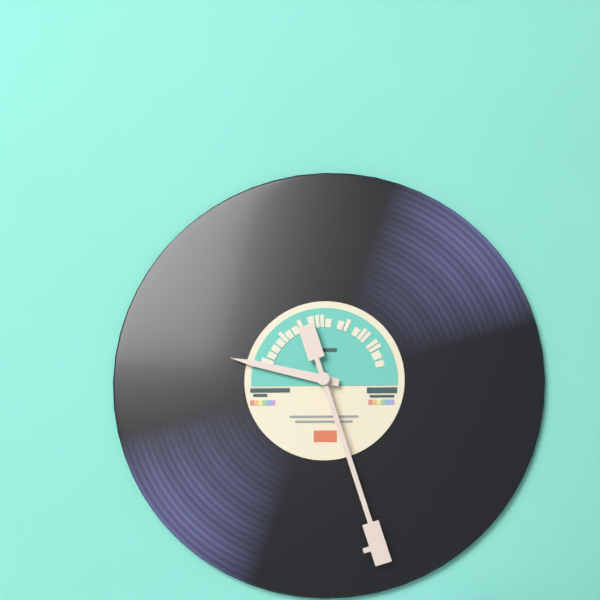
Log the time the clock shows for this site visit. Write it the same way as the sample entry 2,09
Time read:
9,27
